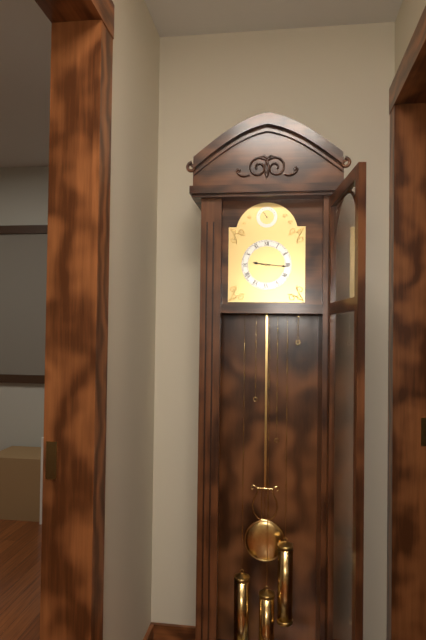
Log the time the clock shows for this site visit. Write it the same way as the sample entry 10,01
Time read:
9,16
